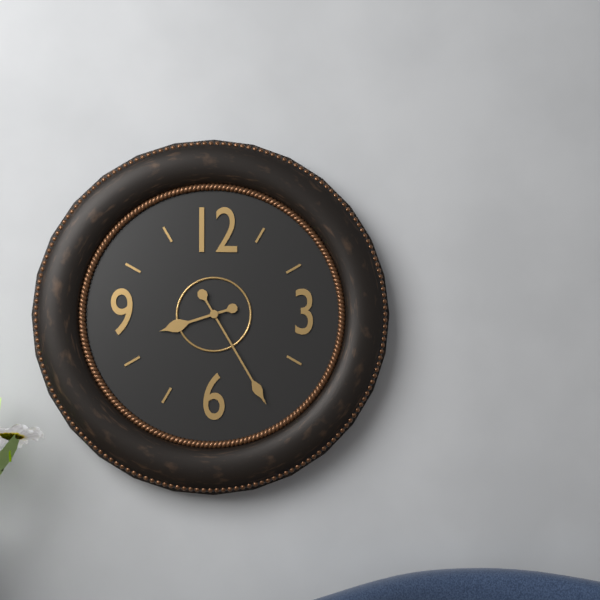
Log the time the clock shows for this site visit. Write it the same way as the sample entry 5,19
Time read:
8,25
